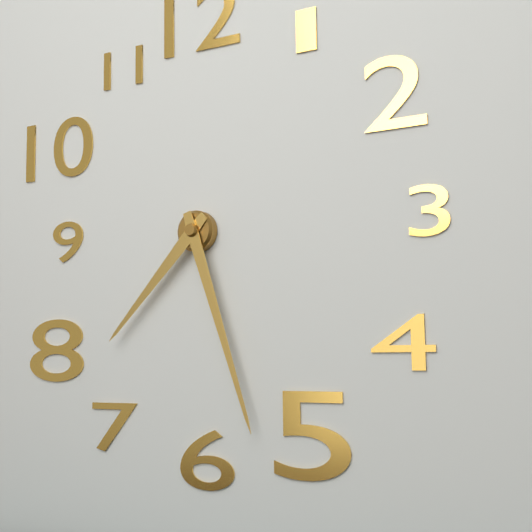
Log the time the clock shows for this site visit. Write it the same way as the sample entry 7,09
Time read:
7,27
